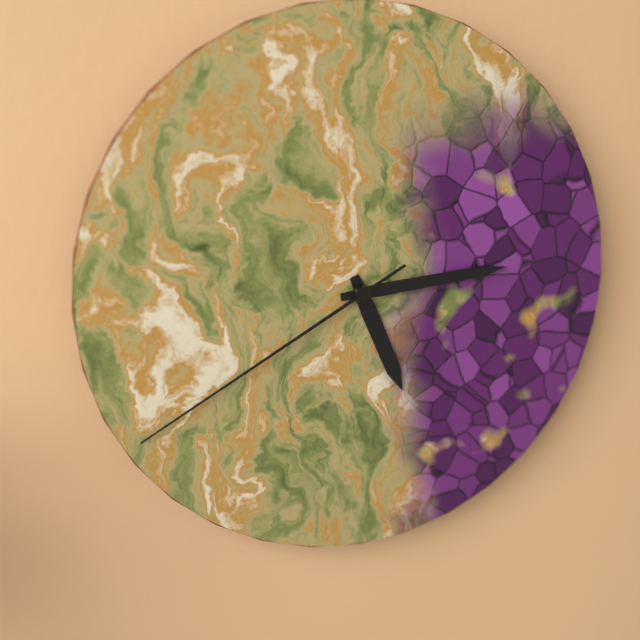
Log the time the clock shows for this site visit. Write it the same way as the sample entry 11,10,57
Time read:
5,14,40
